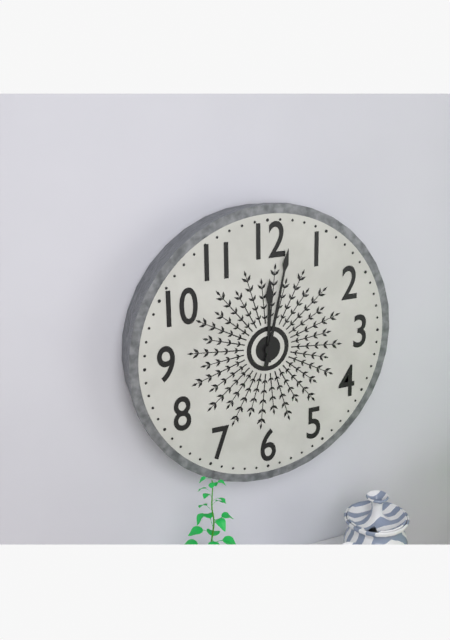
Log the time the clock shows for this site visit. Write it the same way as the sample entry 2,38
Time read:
12,02
